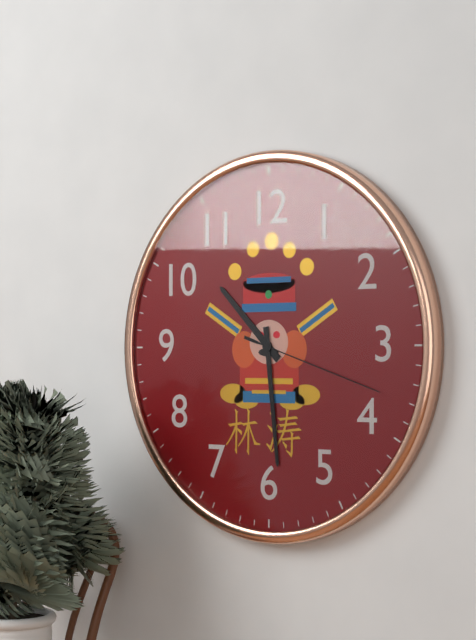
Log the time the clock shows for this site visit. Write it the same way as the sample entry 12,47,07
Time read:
10,29,18
